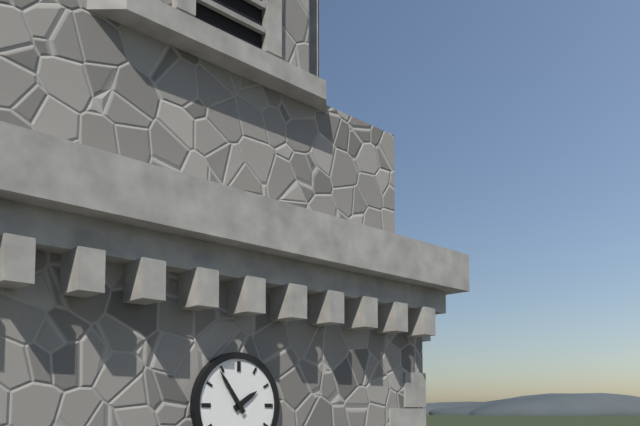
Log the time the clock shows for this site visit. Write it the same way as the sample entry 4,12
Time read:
1,54
